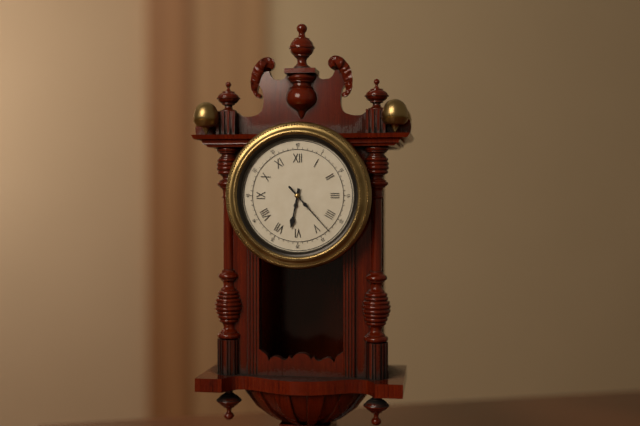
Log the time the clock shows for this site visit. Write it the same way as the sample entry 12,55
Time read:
6,23
